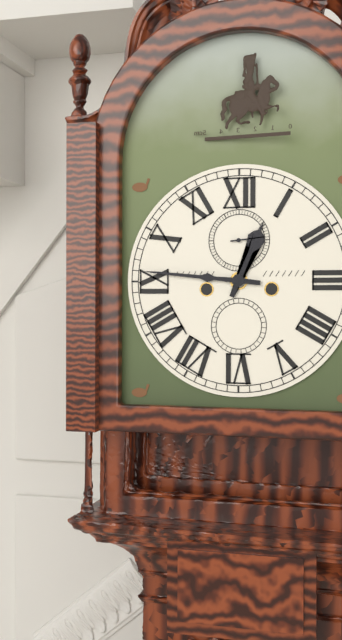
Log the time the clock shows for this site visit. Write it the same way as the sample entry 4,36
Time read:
12,46
